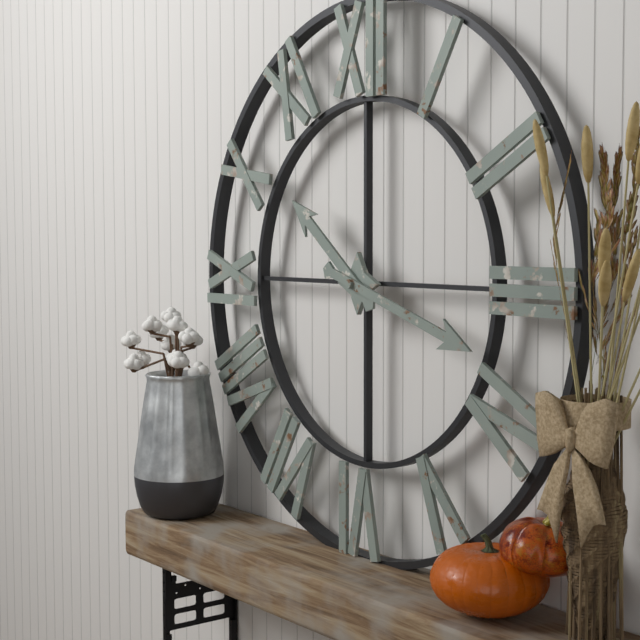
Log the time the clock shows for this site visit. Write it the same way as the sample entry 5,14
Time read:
10,18
